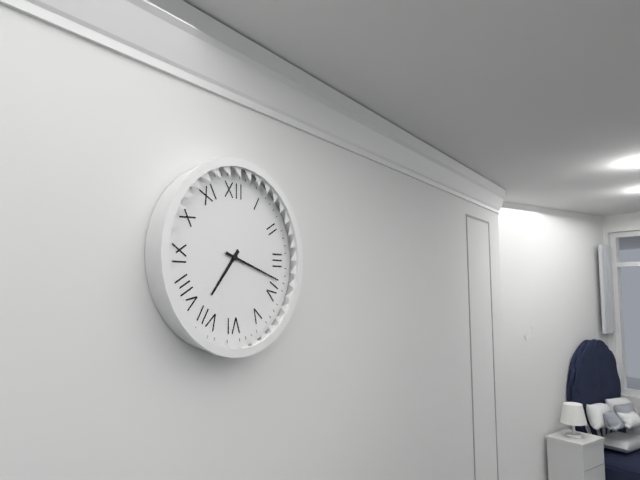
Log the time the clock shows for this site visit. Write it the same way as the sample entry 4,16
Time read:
7,18
